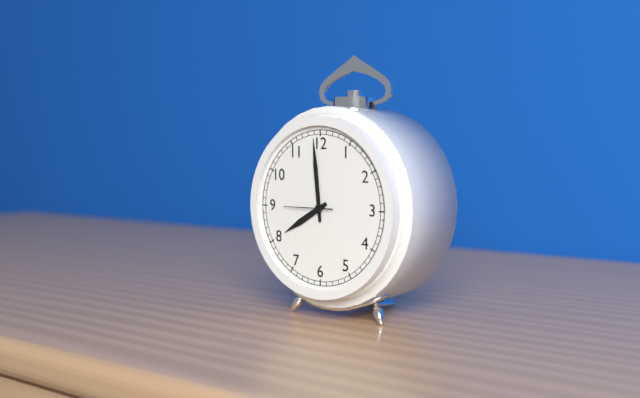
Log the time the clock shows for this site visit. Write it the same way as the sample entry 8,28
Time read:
7,59
